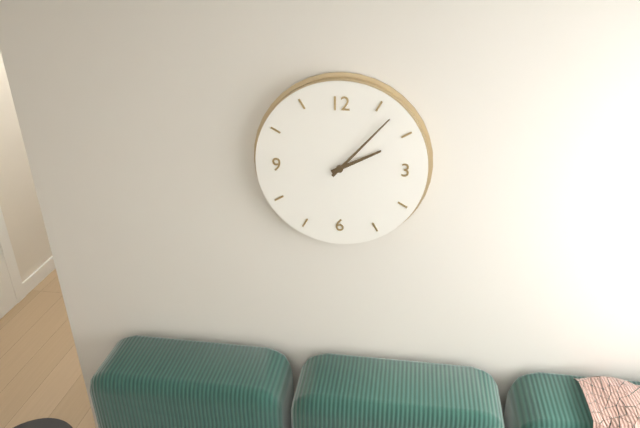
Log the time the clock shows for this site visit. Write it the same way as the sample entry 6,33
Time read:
2,07
